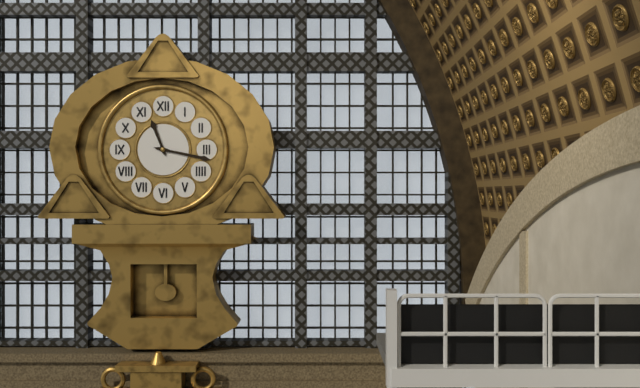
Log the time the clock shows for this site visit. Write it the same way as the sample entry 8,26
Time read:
11,17
